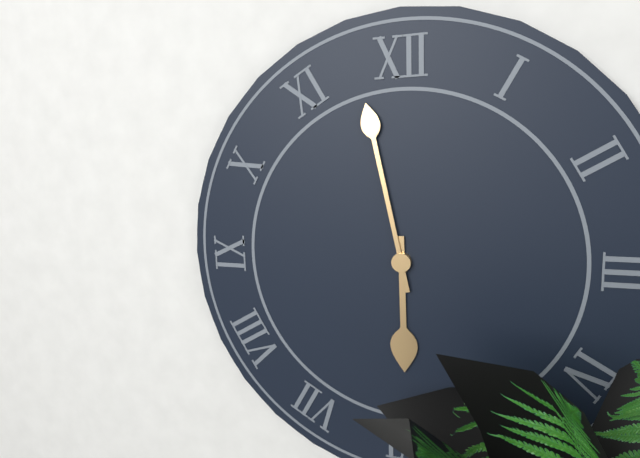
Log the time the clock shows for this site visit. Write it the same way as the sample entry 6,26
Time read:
5,58
